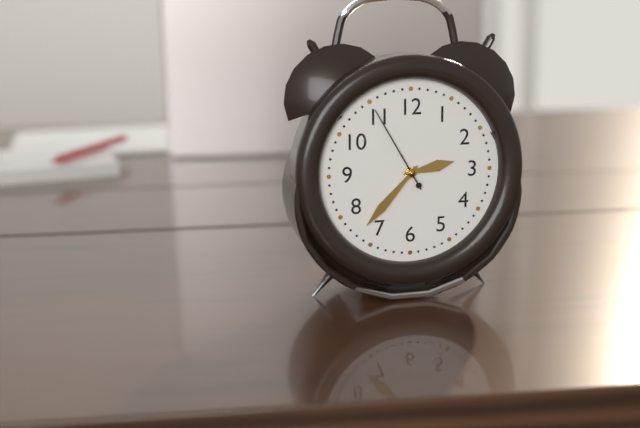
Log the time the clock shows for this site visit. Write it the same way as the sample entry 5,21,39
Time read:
2,37,55
